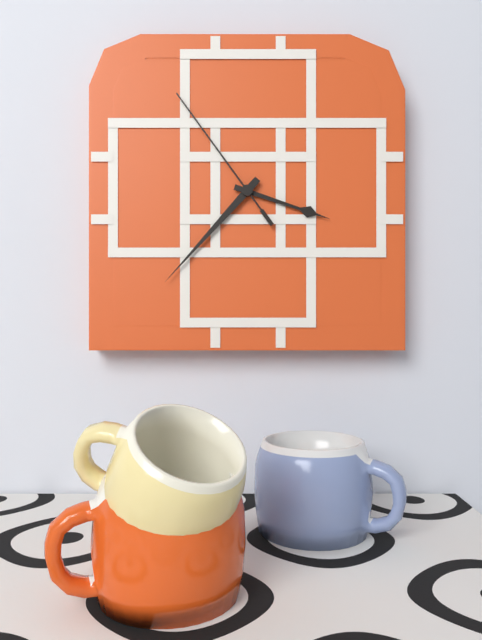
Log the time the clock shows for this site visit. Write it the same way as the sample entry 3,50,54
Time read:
3,37,54
